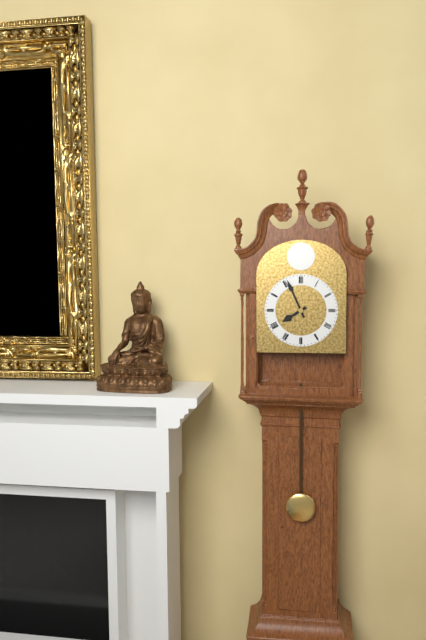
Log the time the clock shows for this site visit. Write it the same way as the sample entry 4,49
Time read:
7,56
